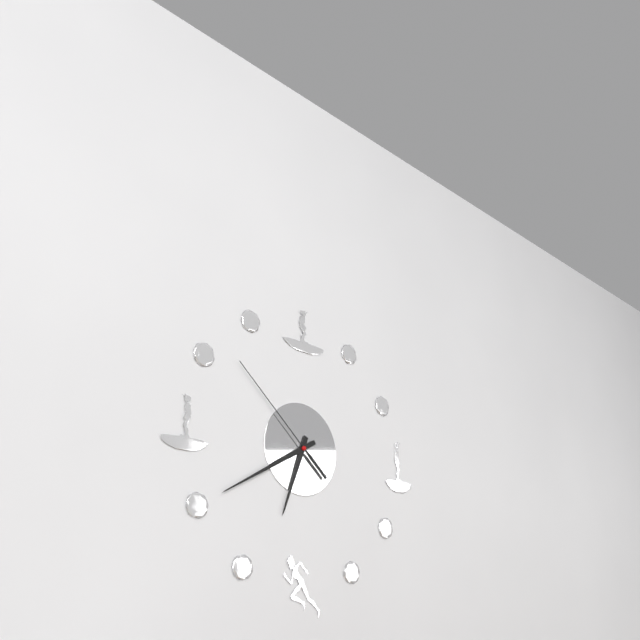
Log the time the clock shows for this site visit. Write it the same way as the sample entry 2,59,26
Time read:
6,40,52
